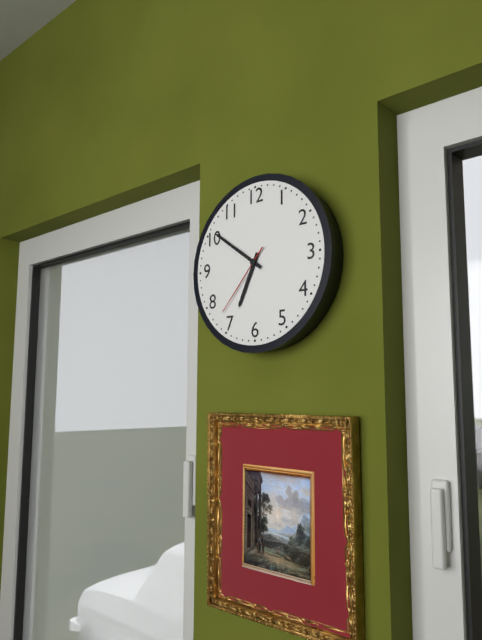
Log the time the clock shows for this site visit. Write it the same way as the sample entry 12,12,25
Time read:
6,51,37
